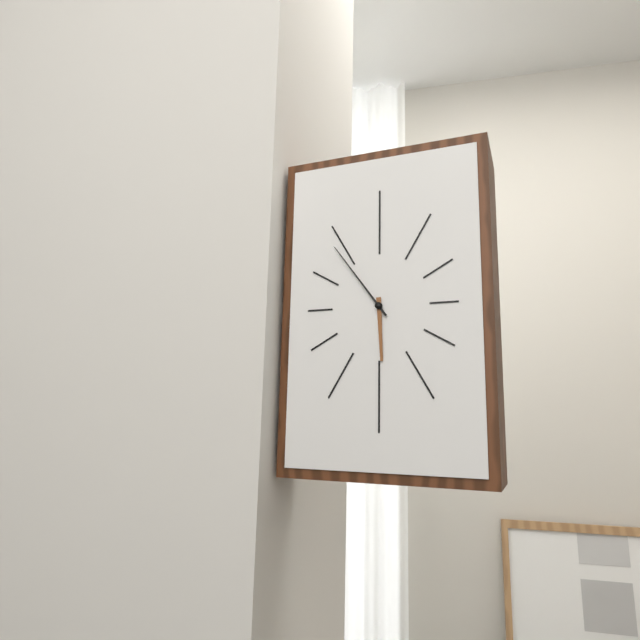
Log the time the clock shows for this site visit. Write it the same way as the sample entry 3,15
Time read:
5,54
